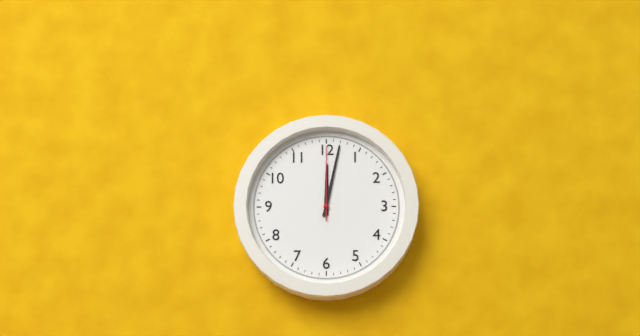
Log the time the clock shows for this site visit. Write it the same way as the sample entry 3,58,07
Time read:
12,02,00
